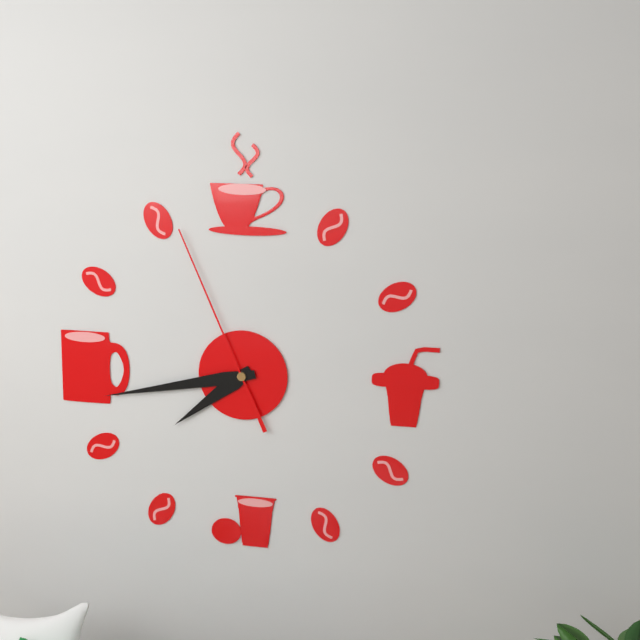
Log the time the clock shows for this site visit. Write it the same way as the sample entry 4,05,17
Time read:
7,43,56
